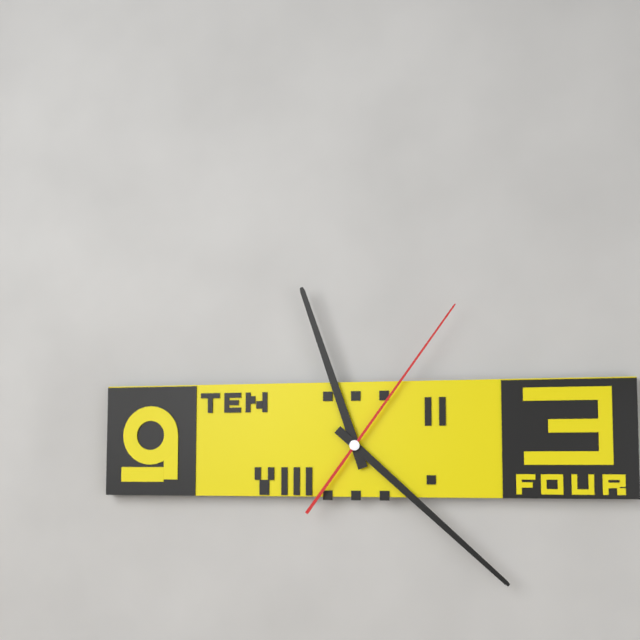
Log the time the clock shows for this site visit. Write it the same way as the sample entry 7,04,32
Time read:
11,22,06
